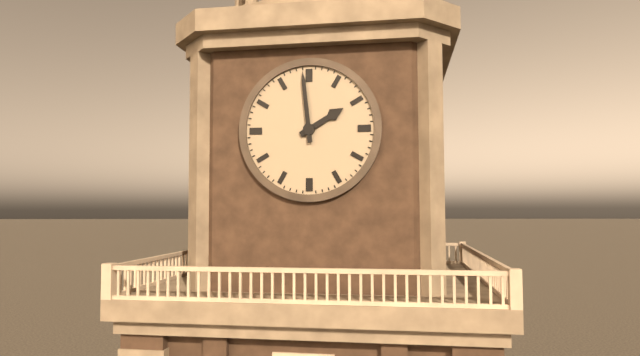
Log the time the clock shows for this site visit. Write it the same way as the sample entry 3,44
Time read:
1,59
